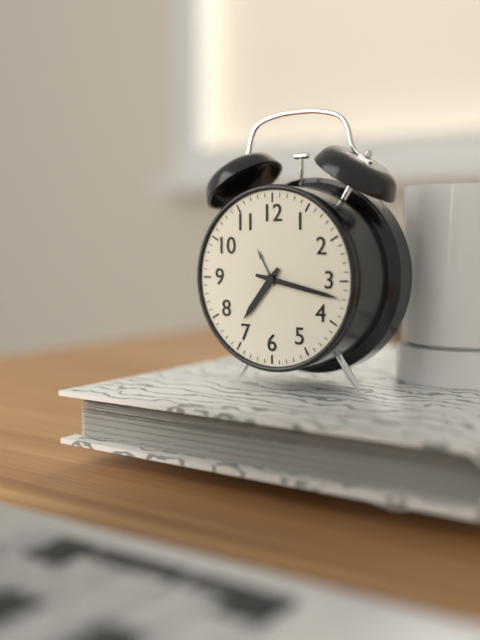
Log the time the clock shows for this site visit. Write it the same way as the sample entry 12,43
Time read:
7,17
